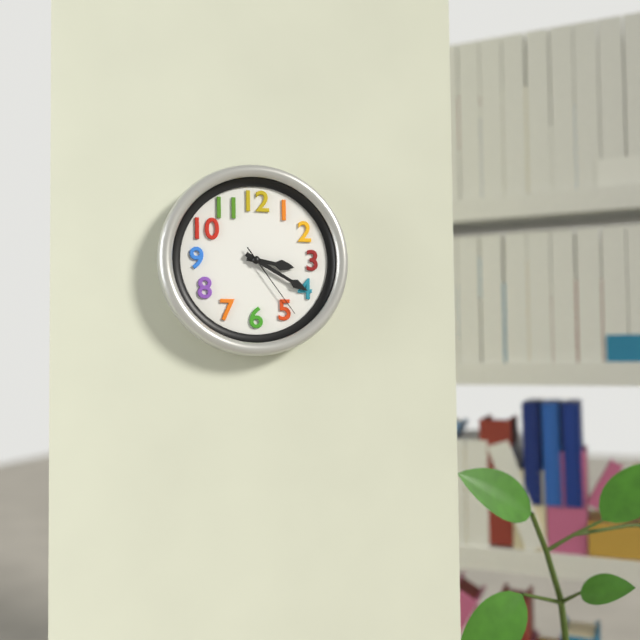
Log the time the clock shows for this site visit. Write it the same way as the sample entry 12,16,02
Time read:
3,20,24
